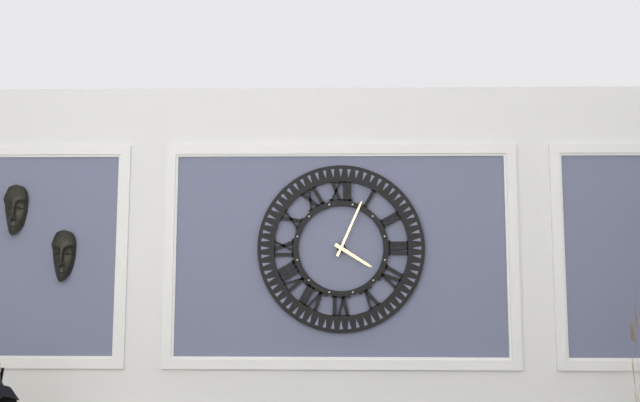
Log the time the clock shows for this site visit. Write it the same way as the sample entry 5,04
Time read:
4,04
